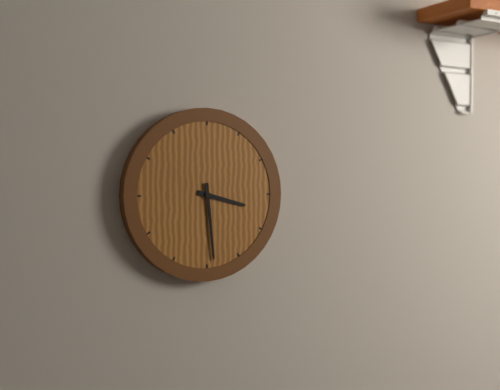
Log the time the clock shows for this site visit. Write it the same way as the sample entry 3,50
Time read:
3,29
